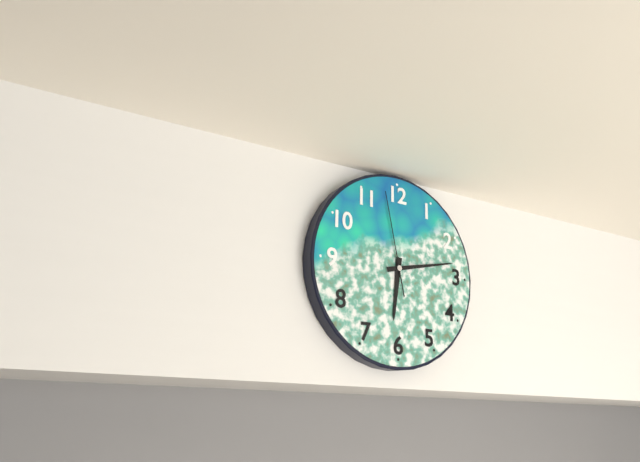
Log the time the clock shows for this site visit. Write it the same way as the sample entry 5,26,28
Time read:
6,13,58
